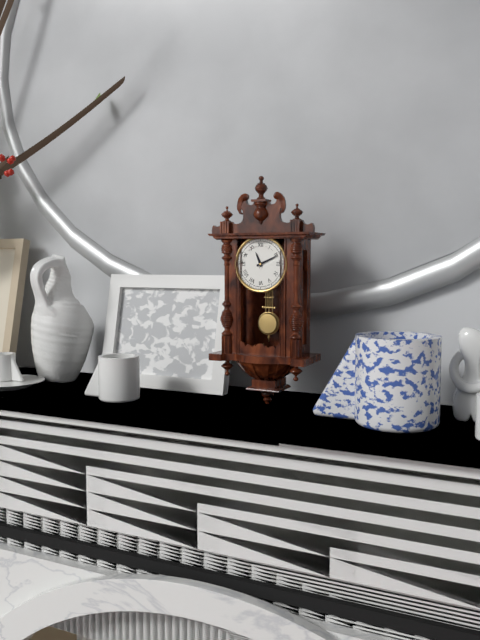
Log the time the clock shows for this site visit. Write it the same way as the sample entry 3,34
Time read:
11,11
